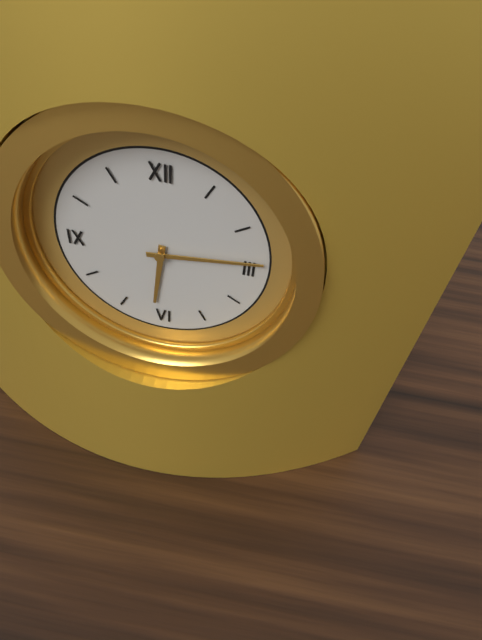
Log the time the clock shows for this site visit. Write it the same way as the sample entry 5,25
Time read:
6,14
